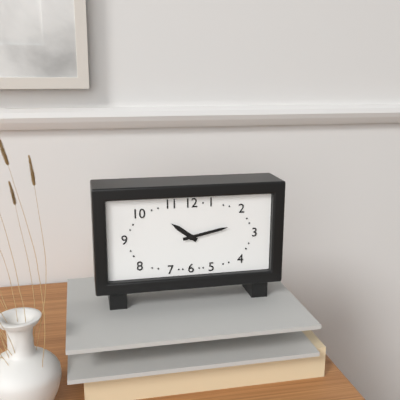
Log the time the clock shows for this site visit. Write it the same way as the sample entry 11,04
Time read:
10,13
